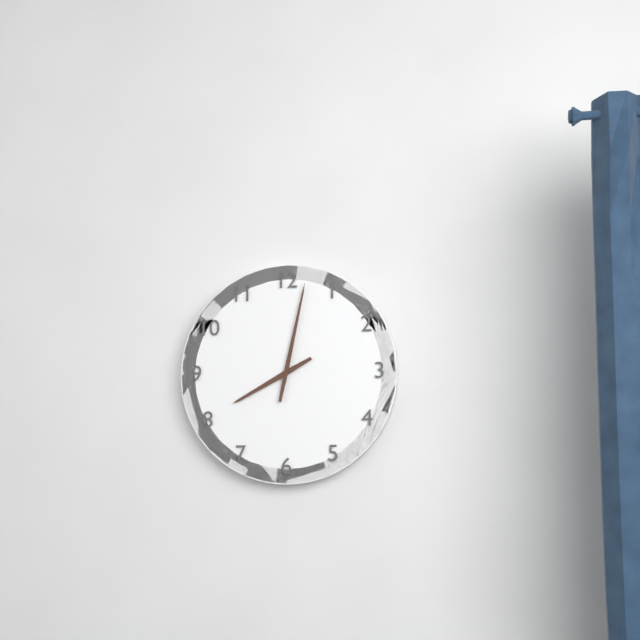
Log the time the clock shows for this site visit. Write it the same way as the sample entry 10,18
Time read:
8,02
